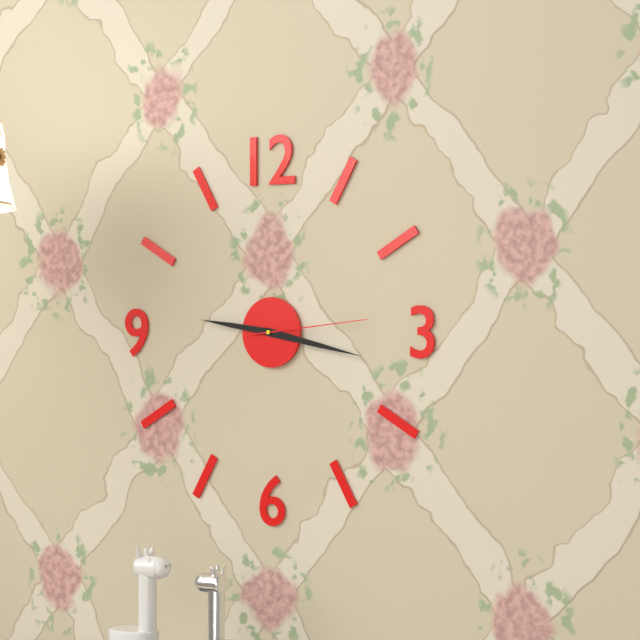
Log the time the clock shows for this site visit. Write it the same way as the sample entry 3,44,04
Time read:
9,17,14
